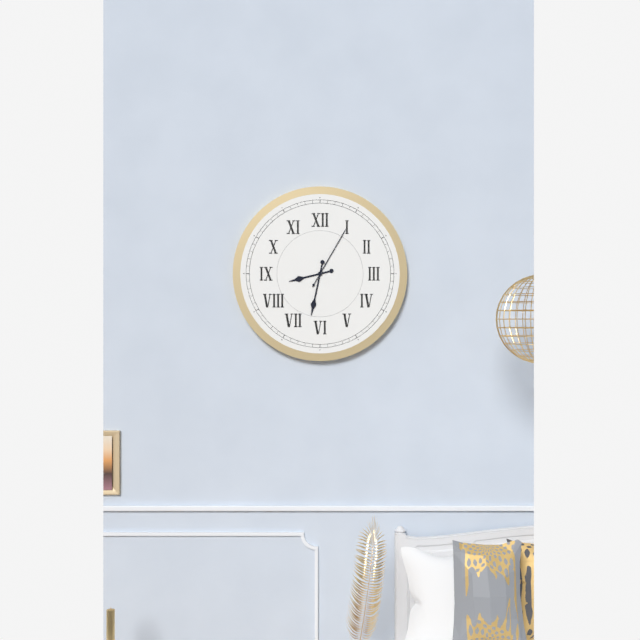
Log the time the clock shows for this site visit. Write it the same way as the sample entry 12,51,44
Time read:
8,32,05
